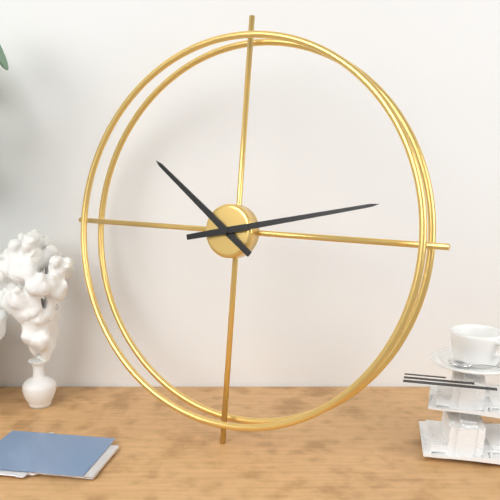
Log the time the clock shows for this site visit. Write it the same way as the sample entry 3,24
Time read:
10,13
